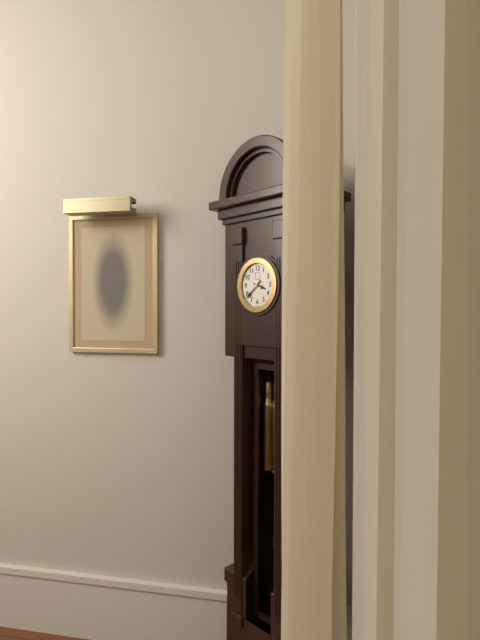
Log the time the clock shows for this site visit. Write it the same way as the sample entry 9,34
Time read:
3,38
